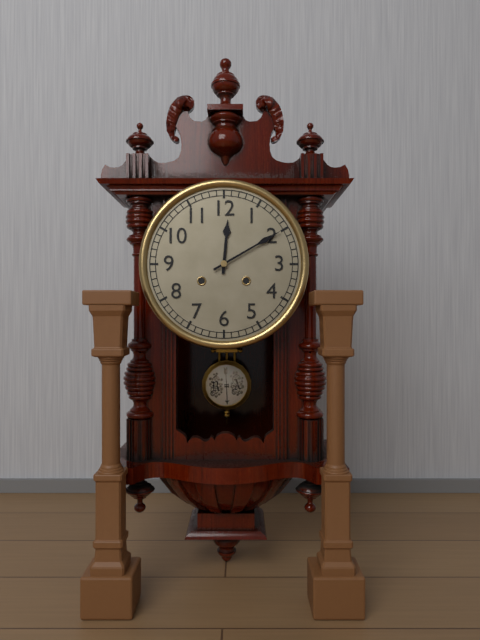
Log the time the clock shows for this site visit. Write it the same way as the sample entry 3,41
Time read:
12,10
